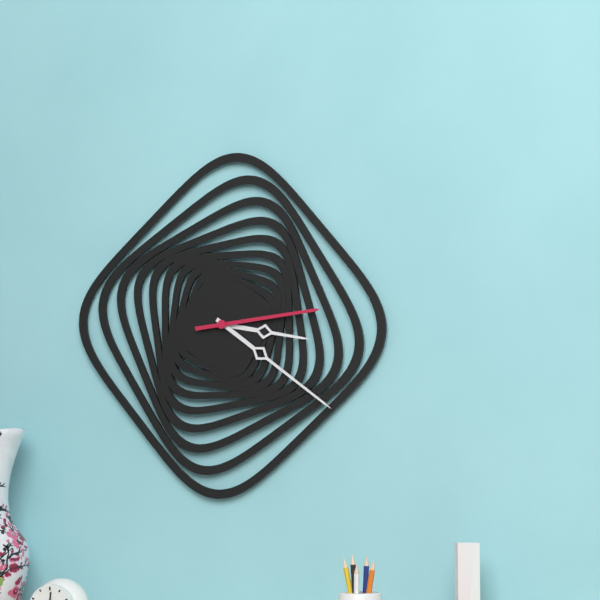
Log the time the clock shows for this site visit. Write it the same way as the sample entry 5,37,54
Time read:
3,21,14
